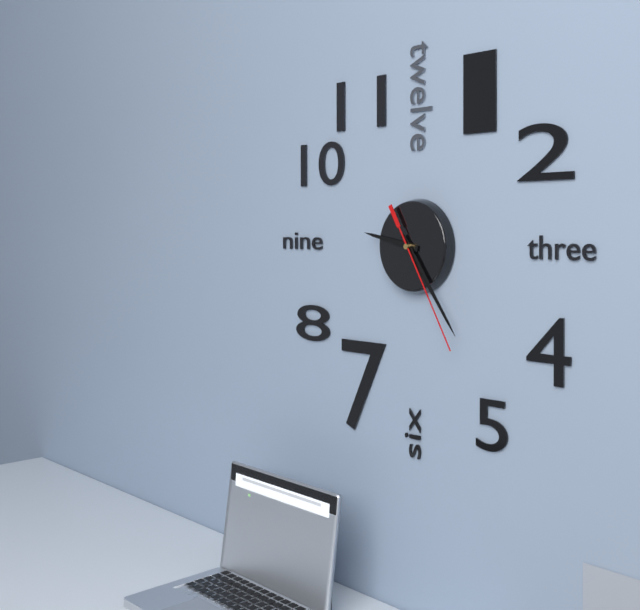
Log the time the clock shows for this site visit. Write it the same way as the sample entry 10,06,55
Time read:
9,24,25
